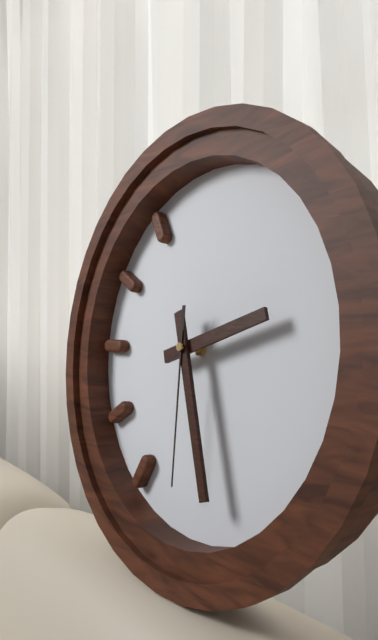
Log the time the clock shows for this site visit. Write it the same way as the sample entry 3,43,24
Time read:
2,27,30
